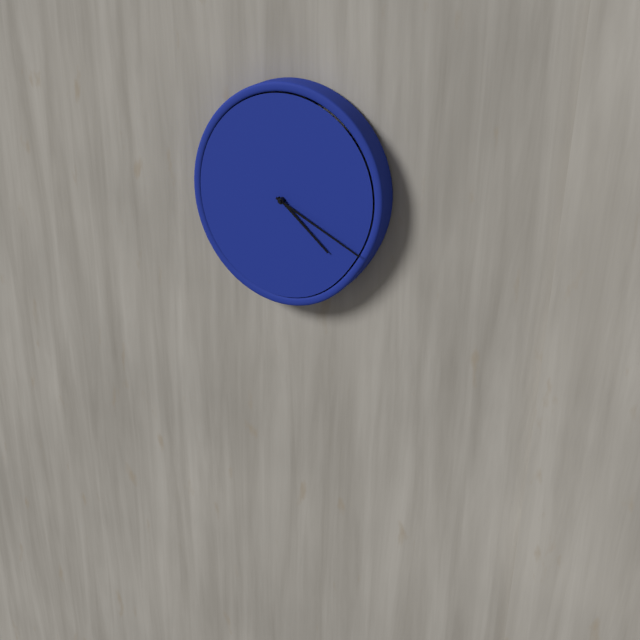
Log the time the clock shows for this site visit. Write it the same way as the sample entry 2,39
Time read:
4,19
